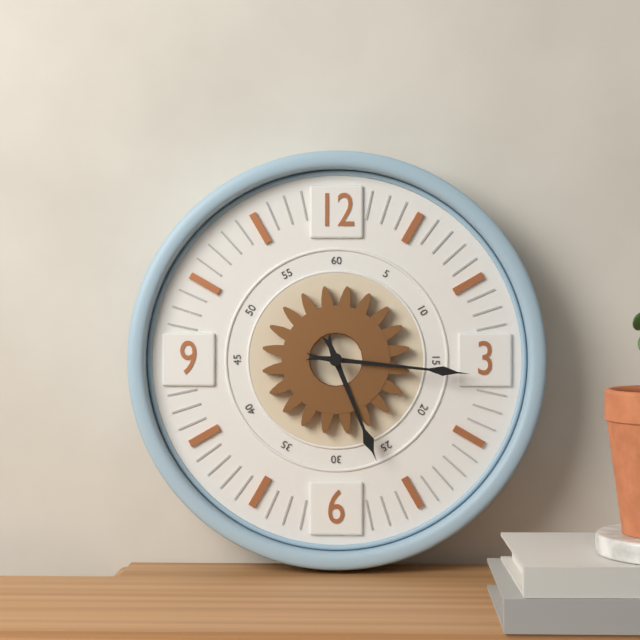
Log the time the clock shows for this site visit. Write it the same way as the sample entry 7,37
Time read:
5,16
